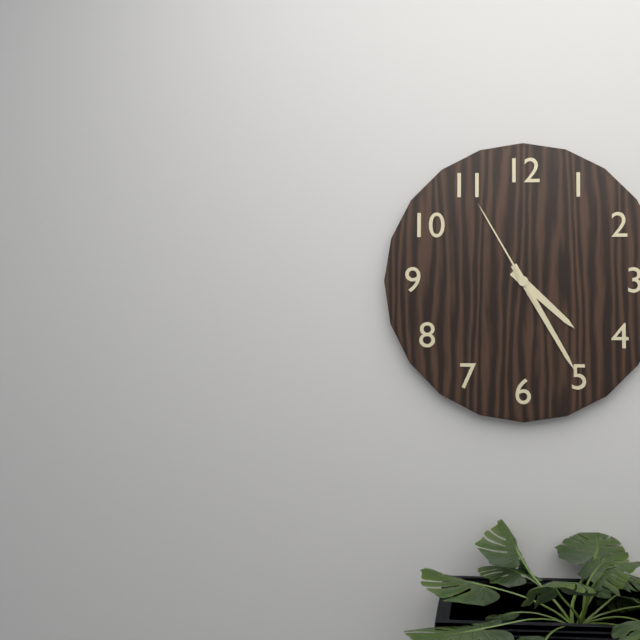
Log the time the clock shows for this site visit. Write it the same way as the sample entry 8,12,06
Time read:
4,25,55
